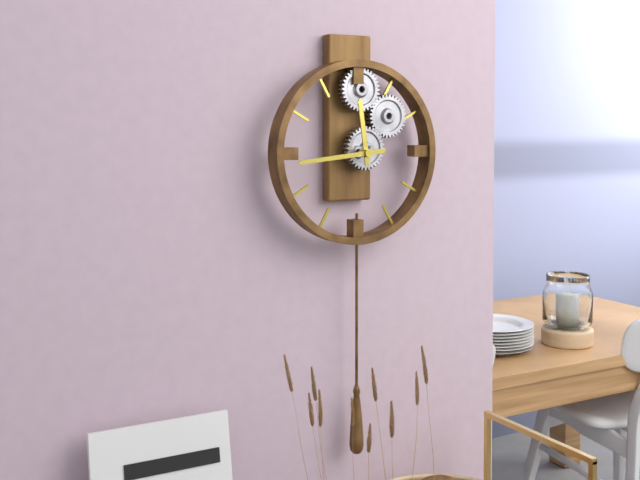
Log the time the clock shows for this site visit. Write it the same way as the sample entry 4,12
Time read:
11,44
